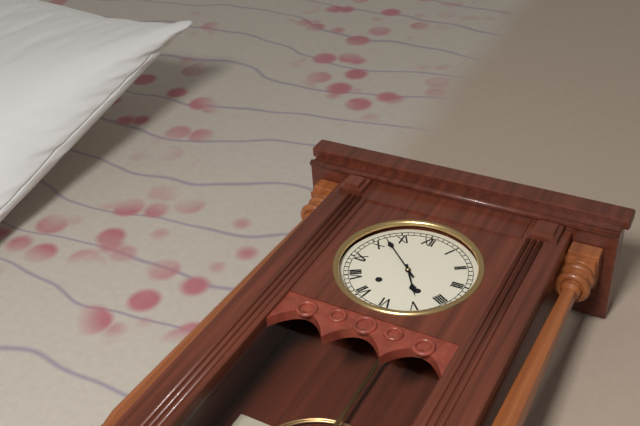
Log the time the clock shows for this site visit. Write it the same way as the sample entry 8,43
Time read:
4,52
